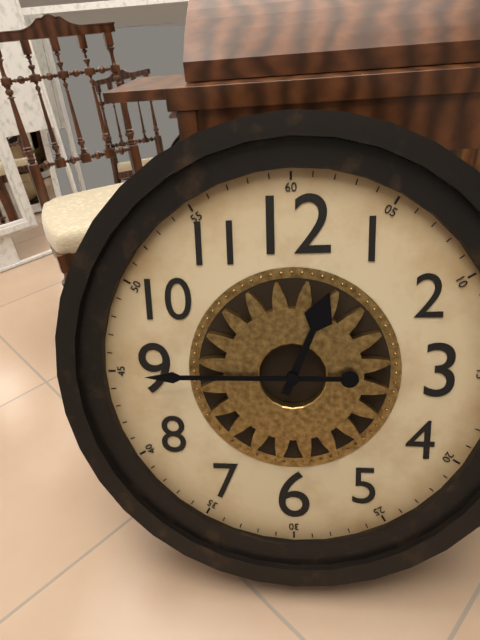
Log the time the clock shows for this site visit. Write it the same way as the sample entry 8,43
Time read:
12,45
